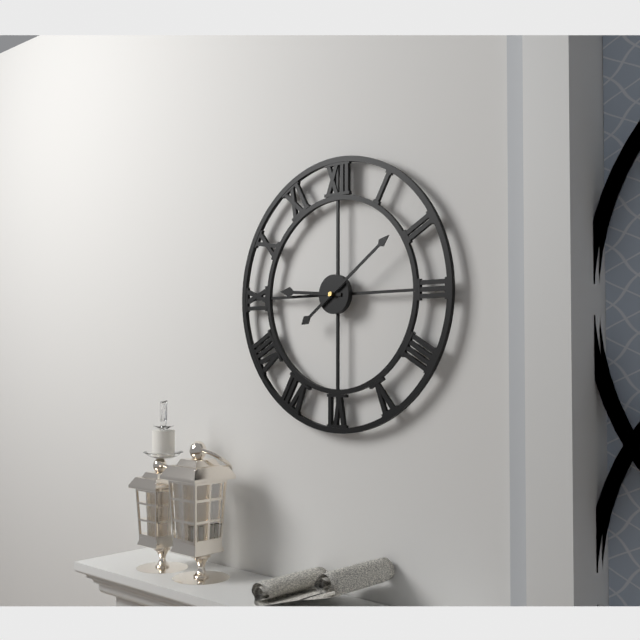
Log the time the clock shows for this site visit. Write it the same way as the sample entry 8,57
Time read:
9,09
